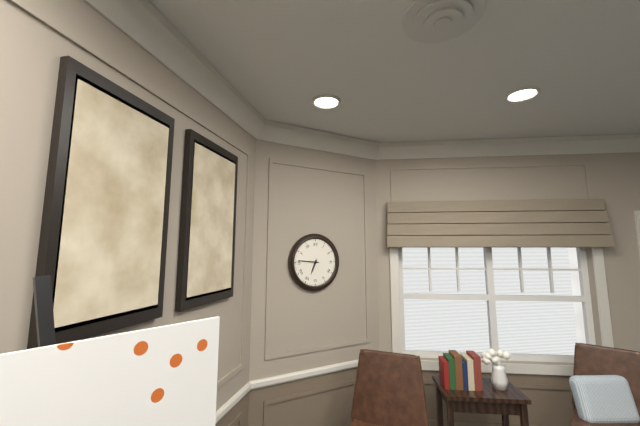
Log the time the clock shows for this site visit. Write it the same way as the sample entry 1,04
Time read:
6,46
